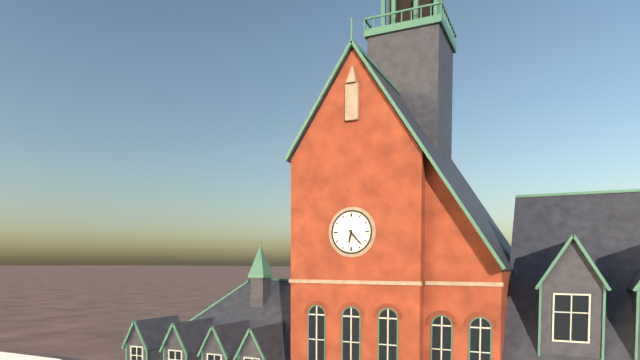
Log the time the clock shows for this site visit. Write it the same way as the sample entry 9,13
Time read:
6,23
